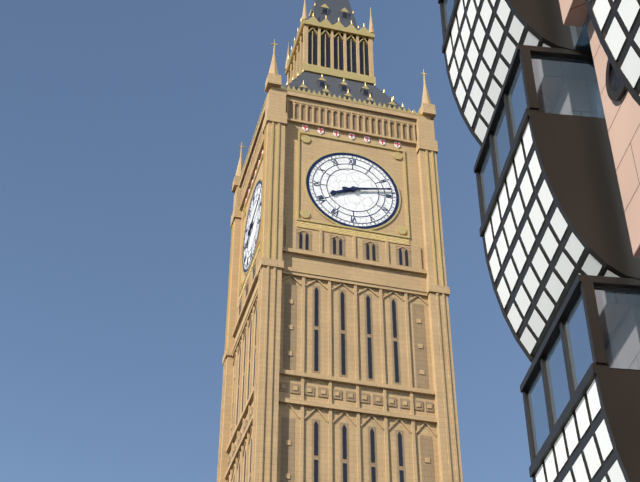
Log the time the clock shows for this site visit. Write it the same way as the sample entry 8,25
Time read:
8,13
